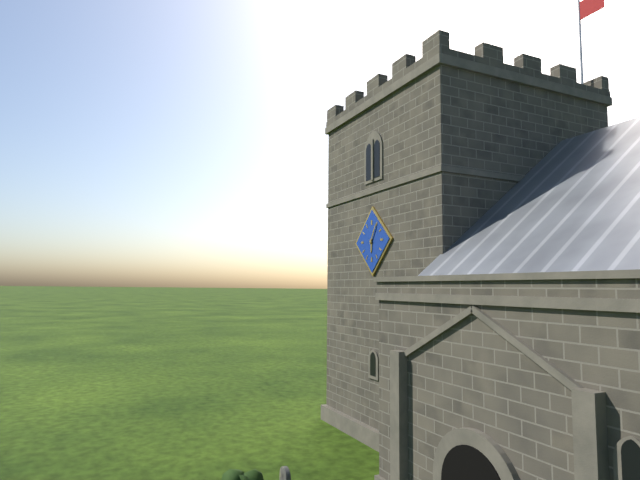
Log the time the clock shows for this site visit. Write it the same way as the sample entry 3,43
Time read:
6,05
